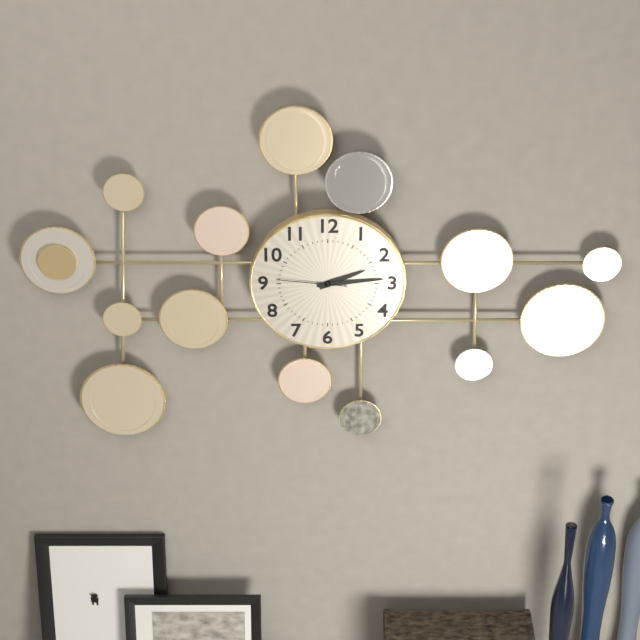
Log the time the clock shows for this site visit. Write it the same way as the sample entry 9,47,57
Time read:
2,14,46
